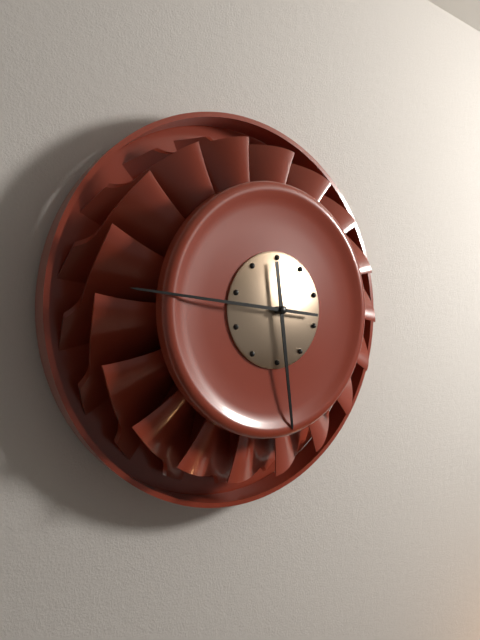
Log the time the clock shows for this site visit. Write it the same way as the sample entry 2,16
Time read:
5,46
